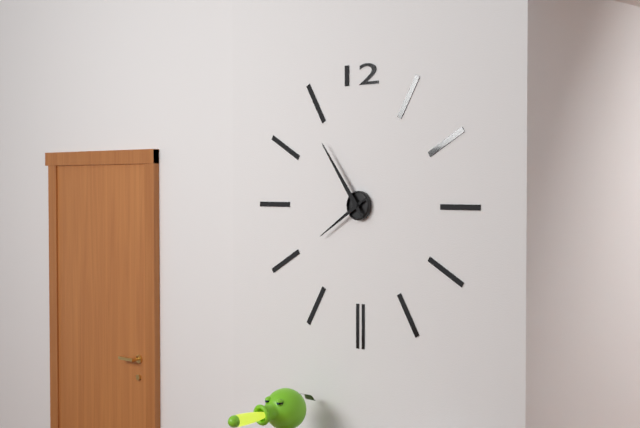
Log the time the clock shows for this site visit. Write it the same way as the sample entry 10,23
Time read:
7,54
